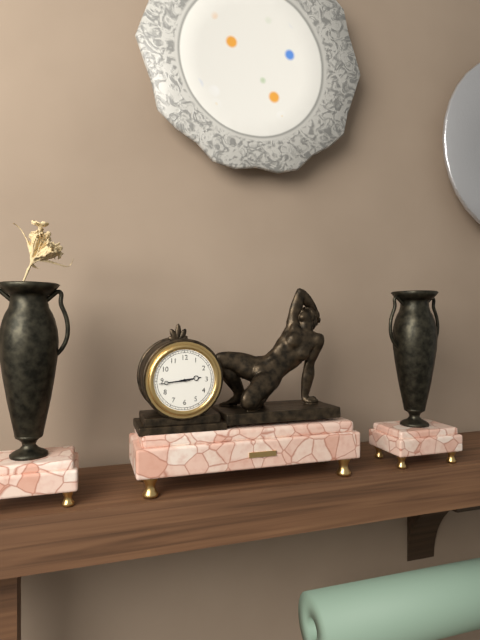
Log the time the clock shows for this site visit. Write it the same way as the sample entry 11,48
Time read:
2,44
